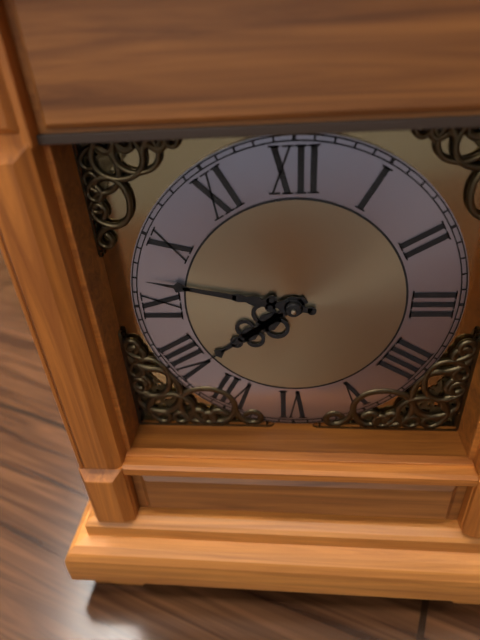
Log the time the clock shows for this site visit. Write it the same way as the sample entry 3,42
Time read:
7,47
